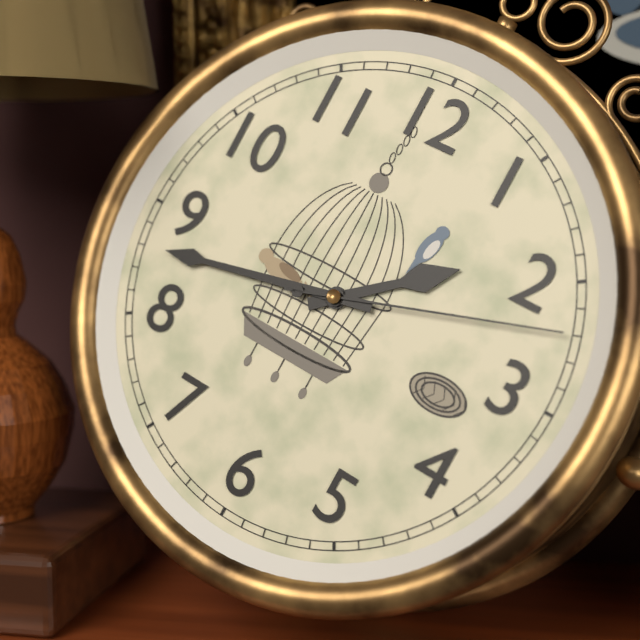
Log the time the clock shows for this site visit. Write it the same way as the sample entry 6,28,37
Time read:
1,43,12
